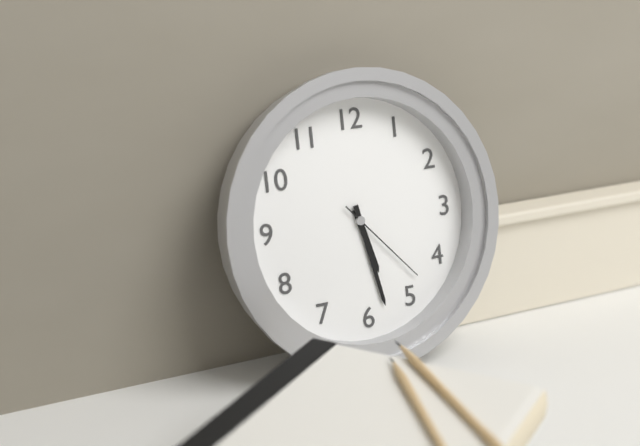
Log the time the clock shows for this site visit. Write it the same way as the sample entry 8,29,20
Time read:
5,28,23
